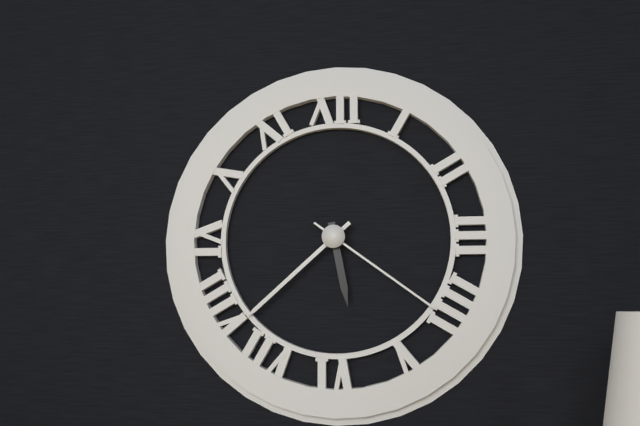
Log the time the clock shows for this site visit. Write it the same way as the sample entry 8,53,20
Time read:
5,38,21
